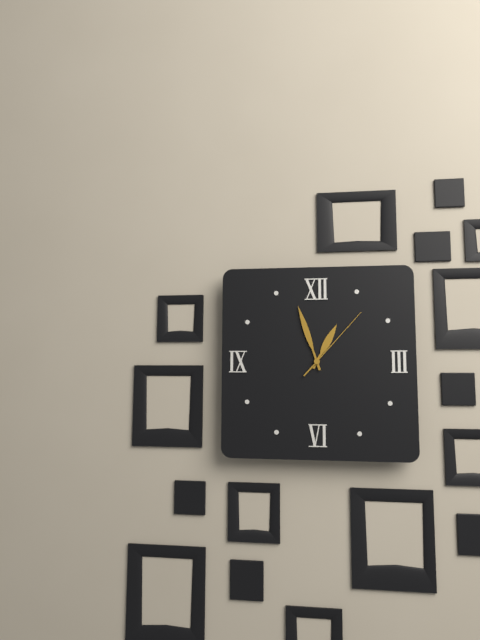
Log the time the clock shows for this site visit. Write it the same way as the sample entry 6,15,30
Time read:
12,57,07
